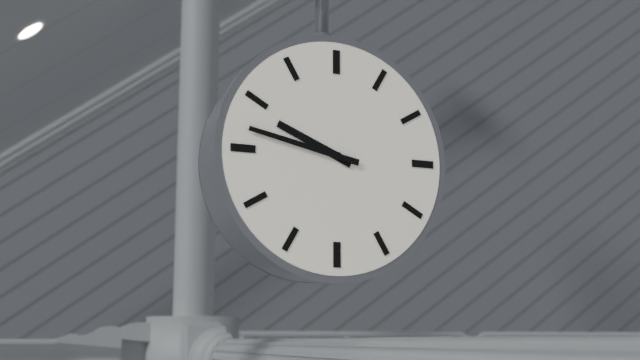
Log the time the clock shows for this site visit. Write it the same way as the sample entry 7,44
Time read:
9,47
